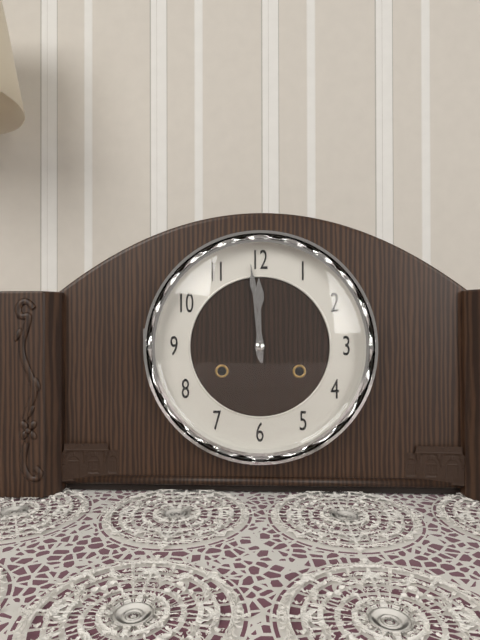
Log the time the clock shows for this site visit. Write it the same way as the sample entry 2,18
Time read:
11,59
